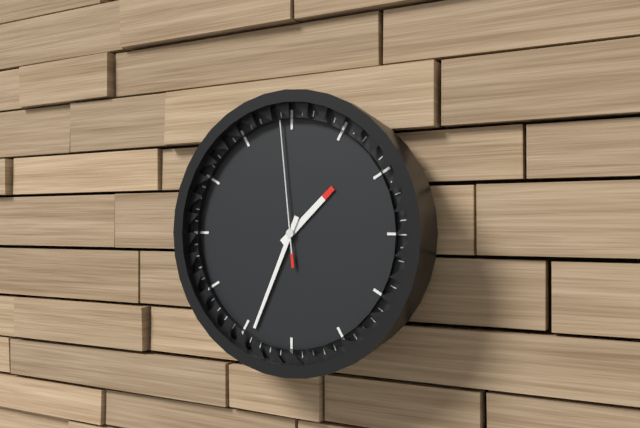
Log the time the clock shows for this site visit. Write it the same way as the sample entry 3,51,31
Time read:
1,34,59
